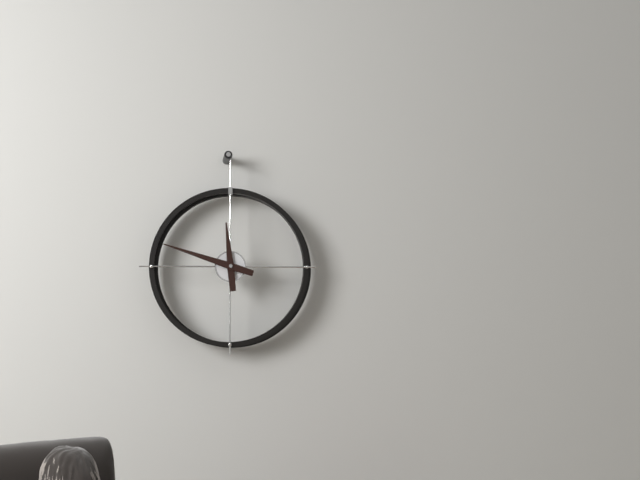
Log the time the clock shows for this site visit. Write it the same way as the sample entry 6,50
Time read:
11,48
